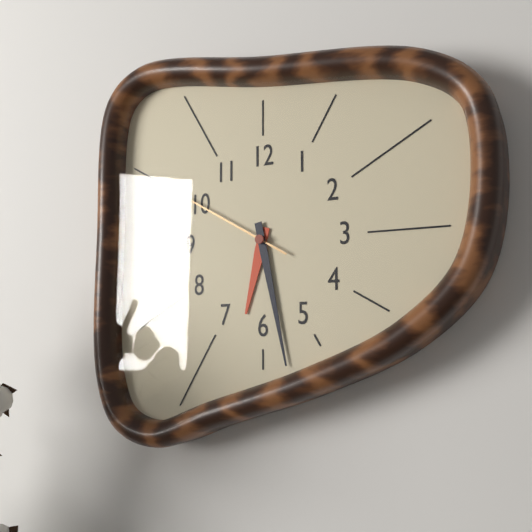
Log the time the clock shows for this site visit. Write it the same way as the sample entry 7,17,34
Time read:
6,28,50
